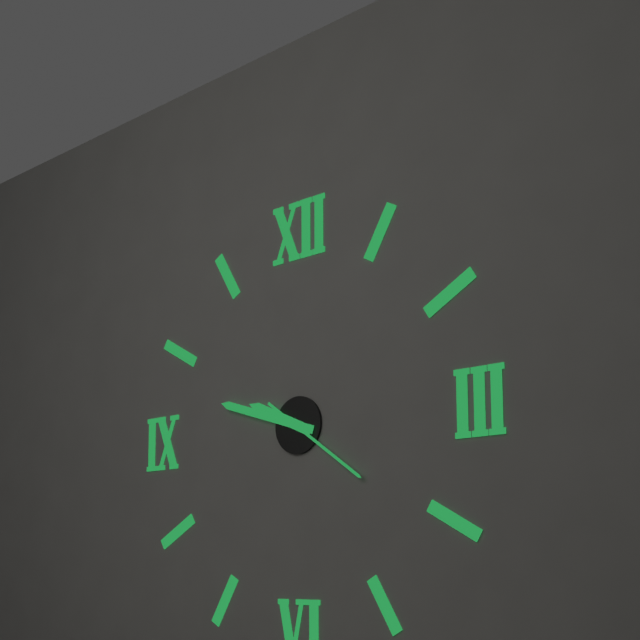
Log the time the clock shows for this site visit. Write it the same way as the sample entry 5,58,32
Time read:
9,48,21
